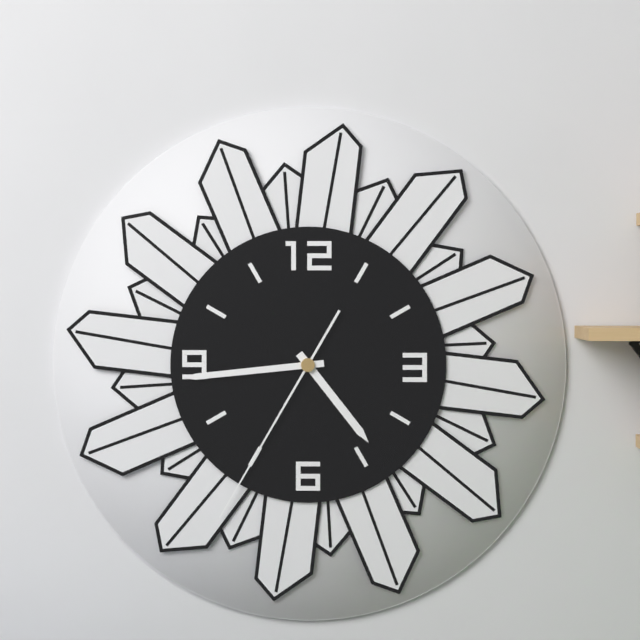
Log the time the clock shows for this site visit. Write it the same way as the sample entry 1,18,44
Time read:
4,44,35
